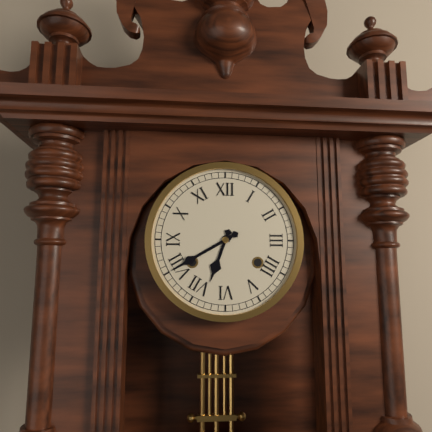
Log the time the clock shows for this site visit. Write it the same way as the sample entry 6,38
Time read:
6,40
